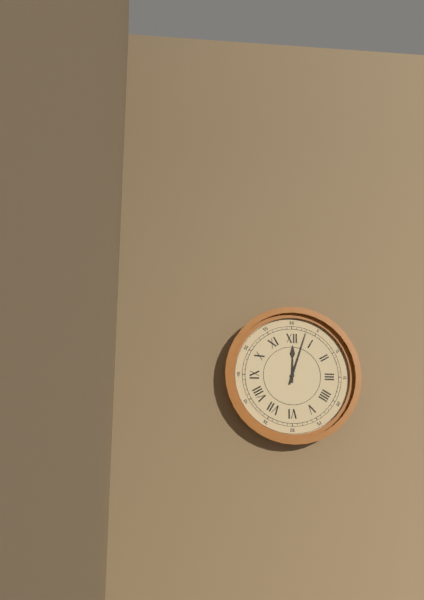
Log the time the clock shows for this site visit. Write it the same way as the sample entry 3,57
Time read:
12,03
